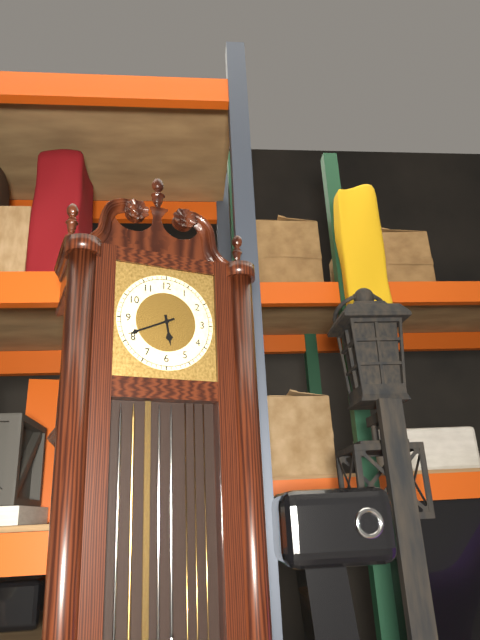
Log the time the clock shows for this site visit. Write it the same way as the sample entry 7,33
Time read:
5,41
